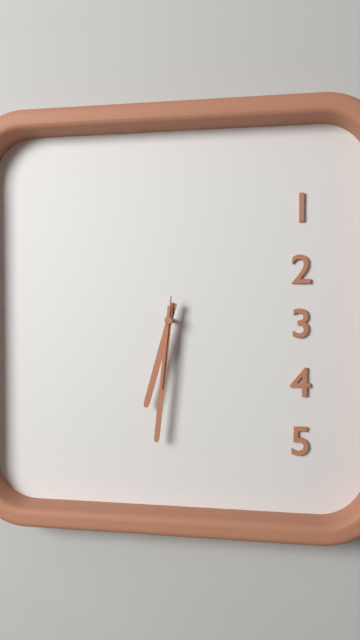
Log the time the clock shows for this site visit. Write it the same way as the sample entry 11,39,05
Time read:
6,31,31
